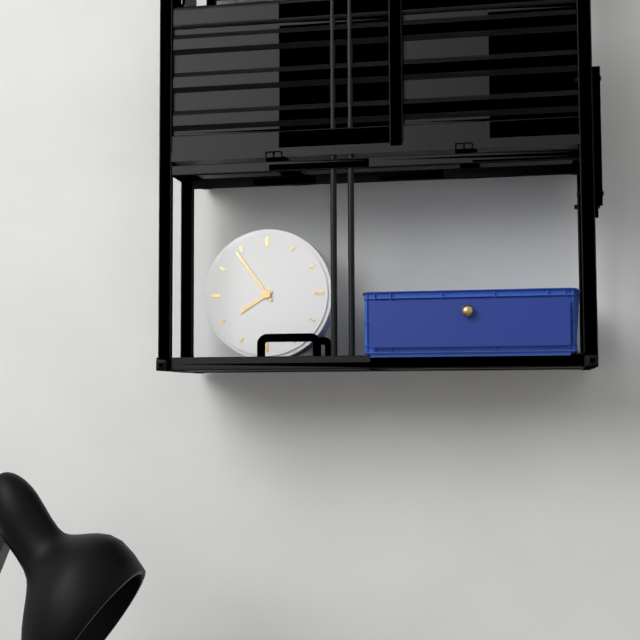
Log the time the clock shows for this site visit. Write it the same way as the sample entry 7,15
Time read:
7,54
